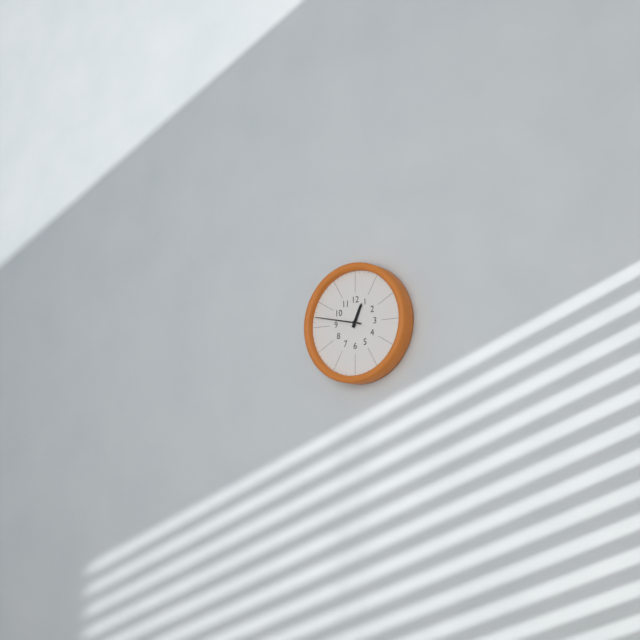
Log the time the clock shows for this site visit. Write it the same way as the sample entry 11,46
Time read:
12,47
